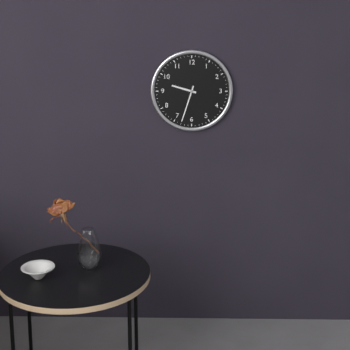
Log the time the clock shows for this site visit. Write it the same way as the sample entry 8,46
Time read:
9,33
